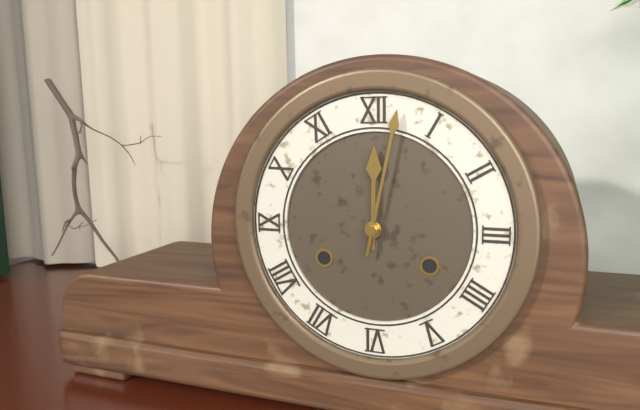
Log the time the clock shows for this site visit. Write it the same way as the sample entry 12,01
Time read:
12,02
